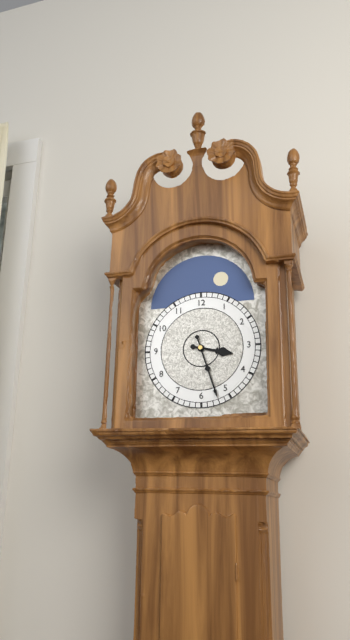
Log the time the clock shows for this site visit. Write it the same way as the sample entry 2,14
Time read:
3,27
